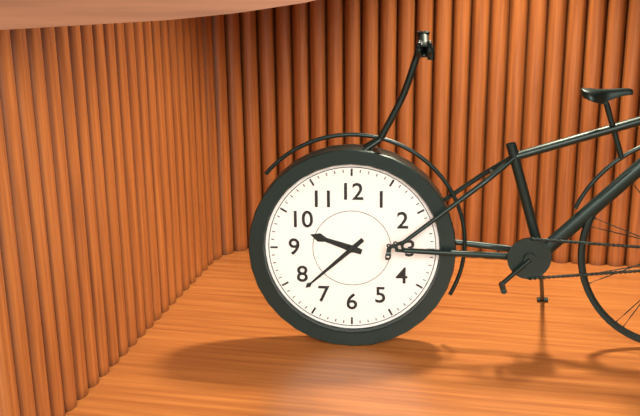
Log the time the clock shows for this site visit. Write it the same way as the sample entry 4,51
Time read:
9,38
